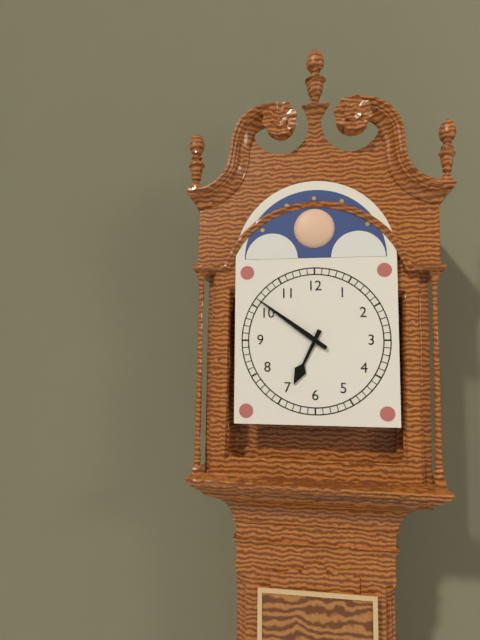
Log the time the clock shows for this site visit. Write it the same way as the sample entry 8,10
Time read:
6,51
